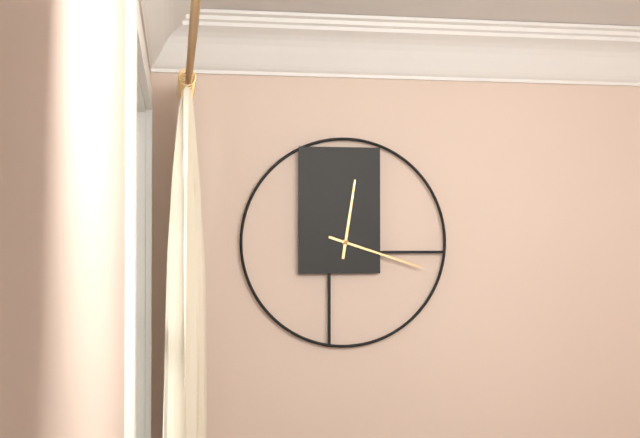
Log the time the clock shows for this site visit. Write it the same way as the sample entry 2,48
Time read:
12,18
